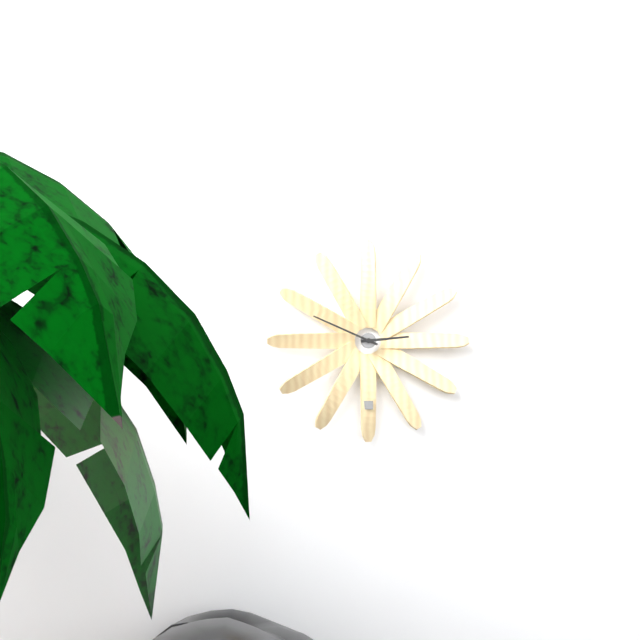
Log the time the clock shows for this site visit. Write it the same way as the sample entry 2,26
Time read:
2,49
